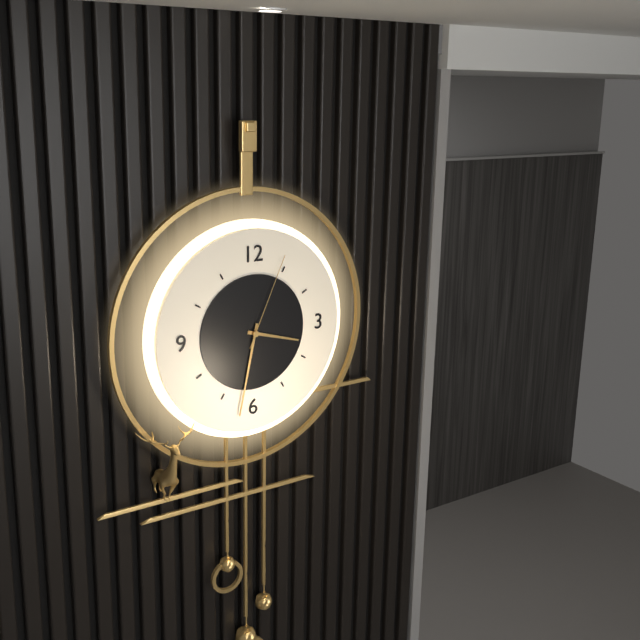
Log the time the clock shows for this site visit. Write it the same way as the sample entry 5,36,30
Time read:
3,32,04
